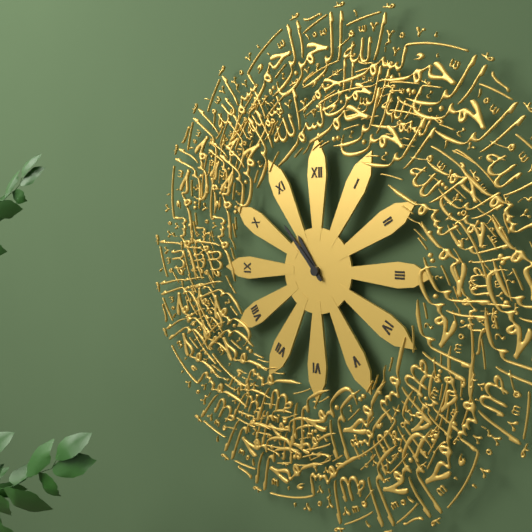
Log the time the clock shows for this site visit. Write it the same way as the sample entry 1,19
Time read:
10,53
